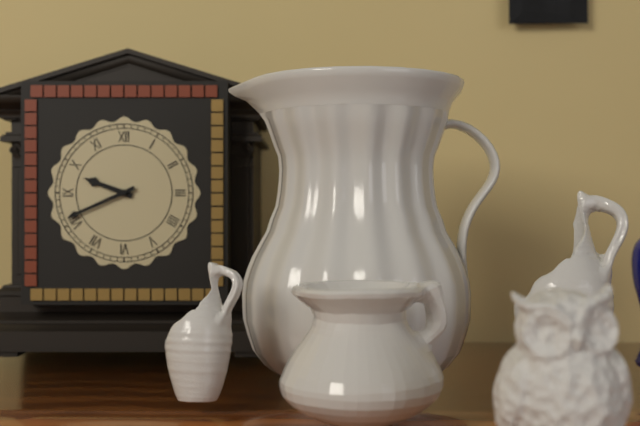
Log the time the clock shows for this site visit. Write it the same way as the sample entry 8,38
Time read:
9,41
